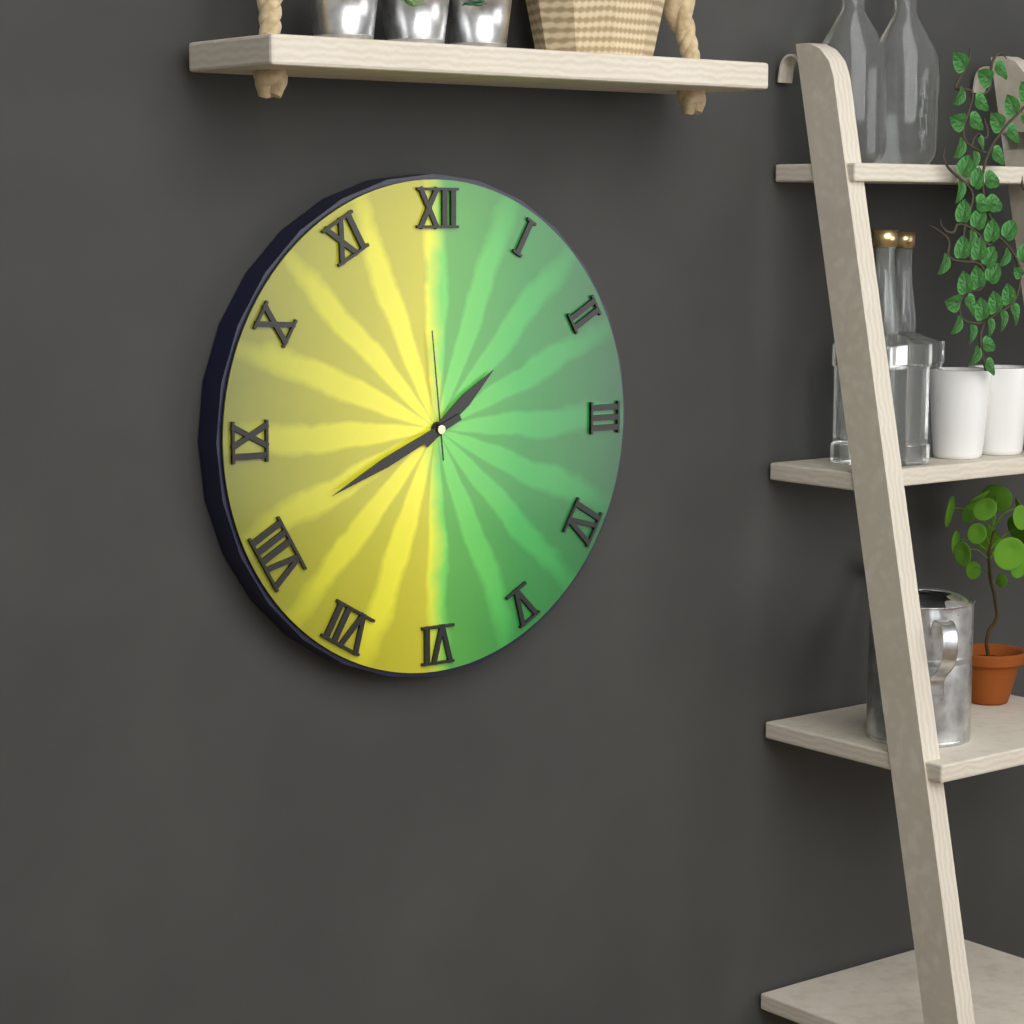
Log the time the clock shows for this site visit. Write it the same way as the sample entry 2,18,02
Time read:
1,41,59
